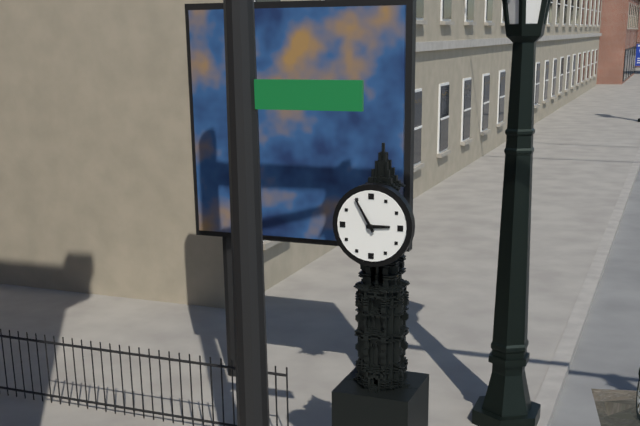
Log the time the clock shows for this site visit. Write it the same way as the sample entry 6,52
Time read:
2,55
